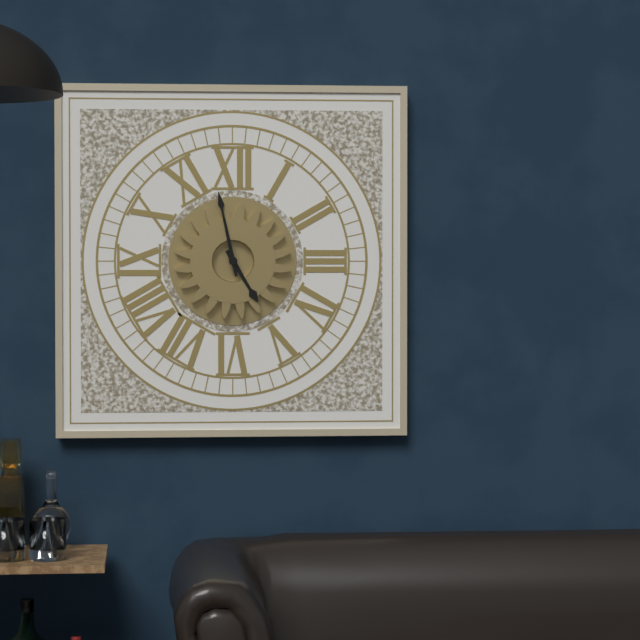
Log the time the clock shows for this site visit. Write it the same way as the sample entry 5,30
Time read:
4,58
